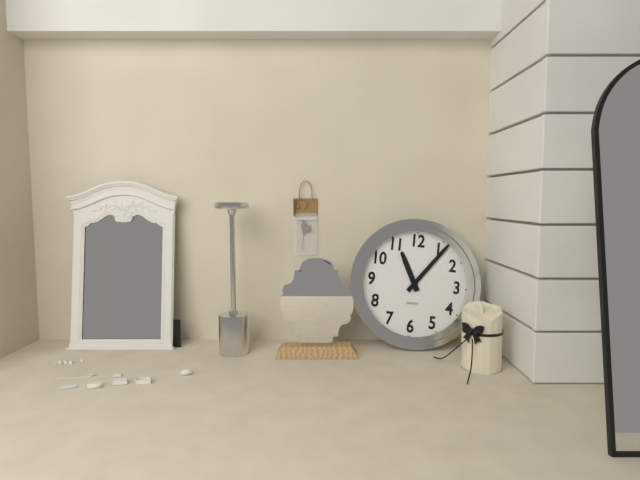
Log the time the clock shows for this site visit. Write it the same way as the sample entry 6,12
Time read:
11,06
